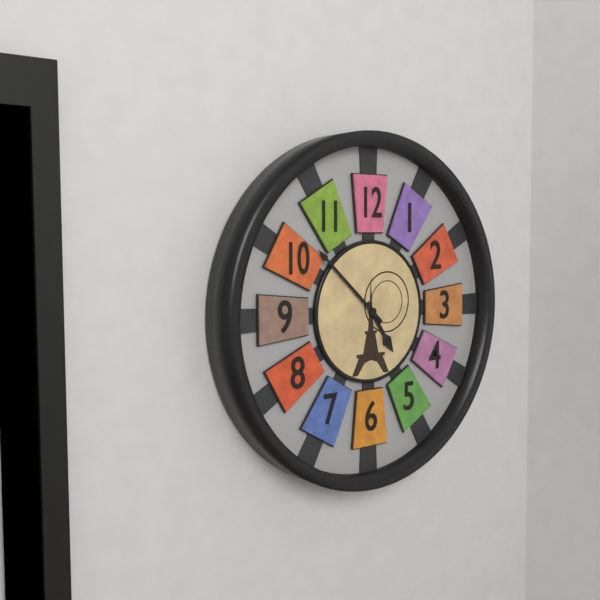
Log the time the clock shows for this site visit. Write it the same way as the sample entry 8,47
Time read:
4,52
